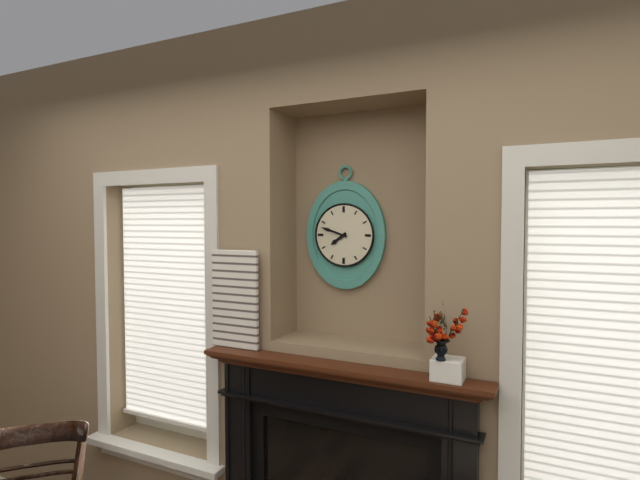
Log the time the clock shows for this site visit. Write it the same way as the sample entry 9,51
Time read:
7,48
